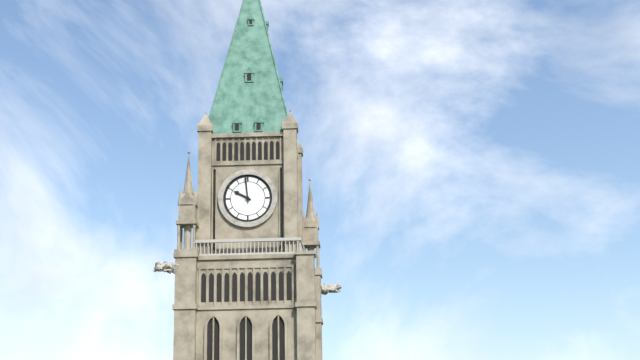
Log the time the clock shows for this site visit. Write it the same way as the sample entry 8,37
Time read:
9,59
